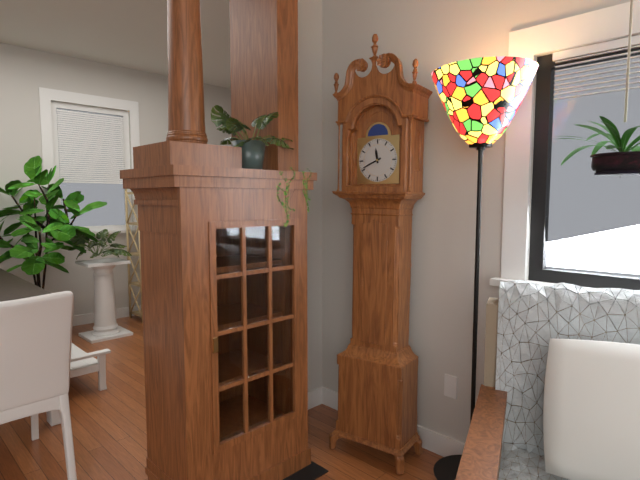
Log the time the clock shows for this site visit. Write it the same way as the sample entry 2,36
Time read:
11,41
